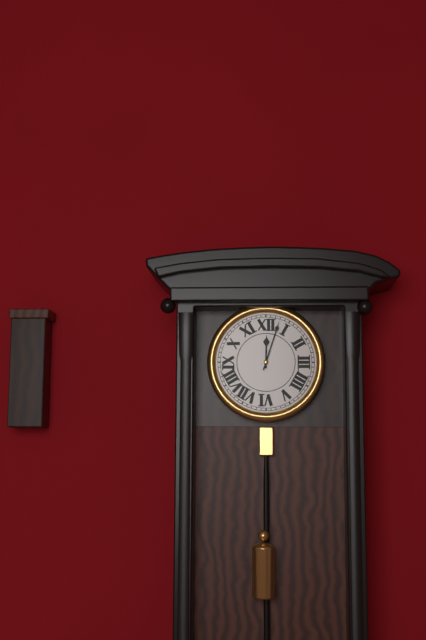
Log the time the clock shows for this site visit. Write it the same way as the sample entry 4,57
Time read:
12,03
